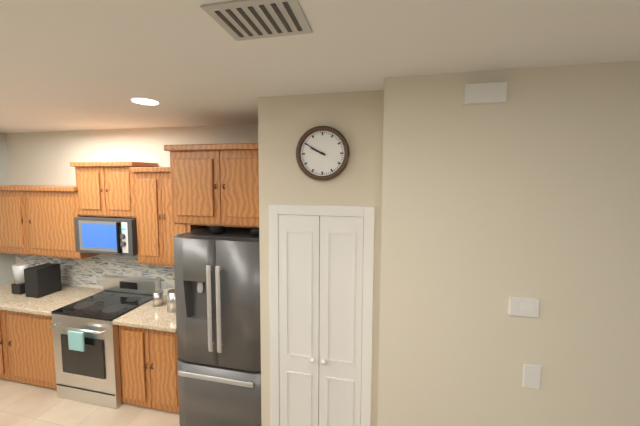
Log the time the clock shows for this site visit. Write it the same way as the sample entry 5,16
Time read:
9,50
